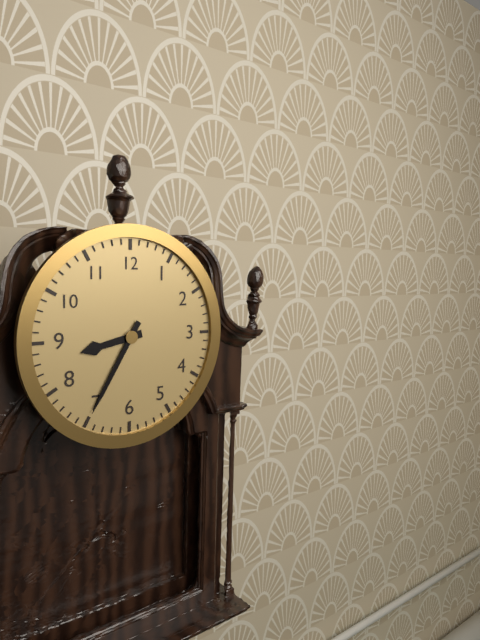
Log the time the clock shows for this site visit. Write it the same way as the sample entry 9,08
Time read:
8,35
